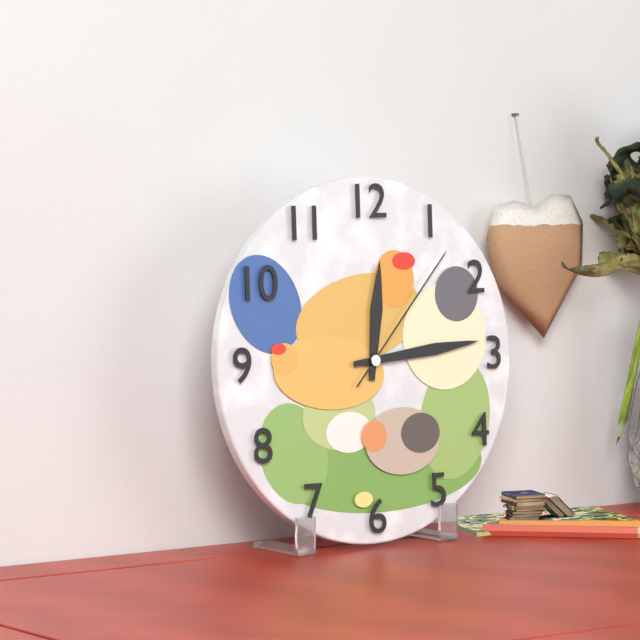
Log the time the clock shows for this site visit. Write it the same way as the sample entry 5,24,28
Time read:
12,14,07
